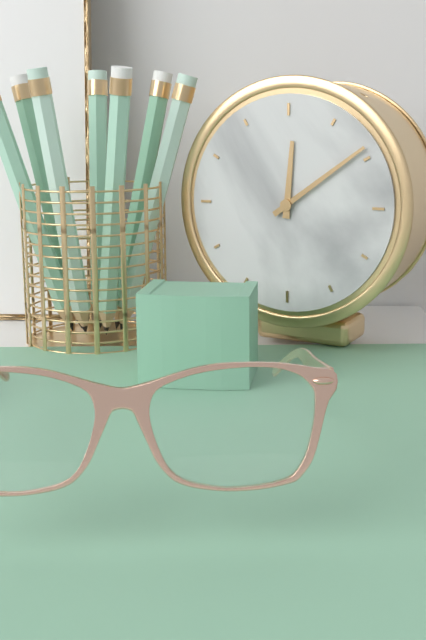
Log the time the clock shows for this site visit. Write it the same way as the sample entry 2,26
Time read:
12,09
